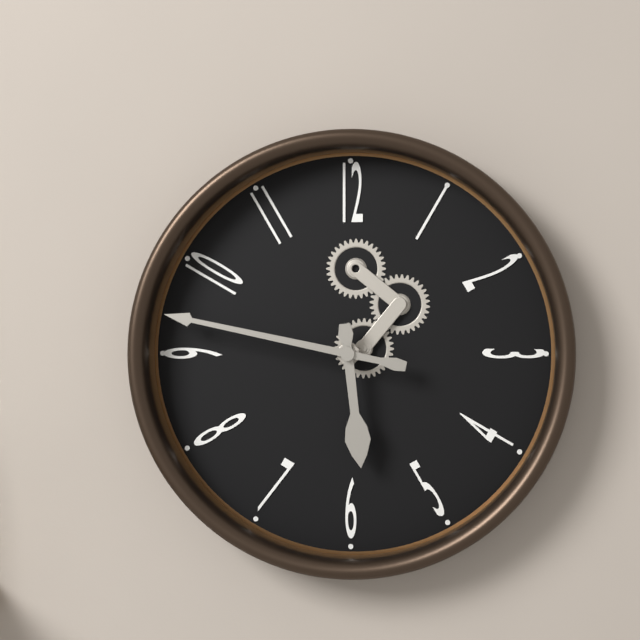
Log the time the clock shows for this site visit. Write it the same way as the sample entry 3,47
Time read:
5,47
